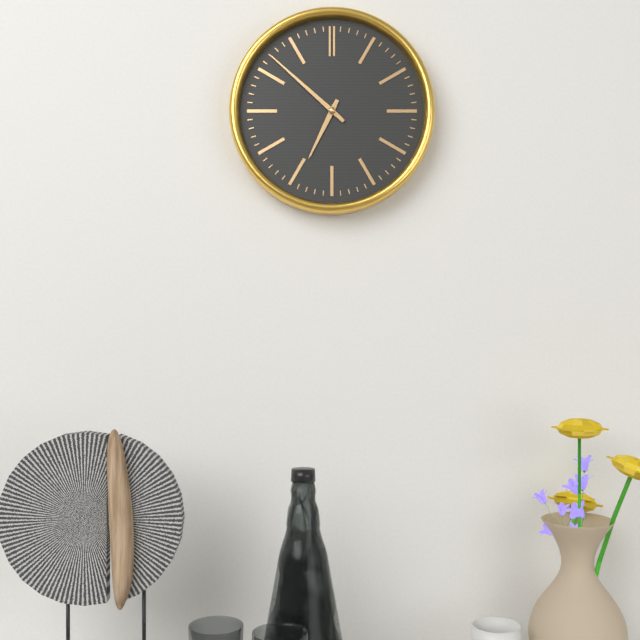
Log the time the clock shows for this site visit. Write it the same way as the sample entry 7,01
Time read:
6,52
